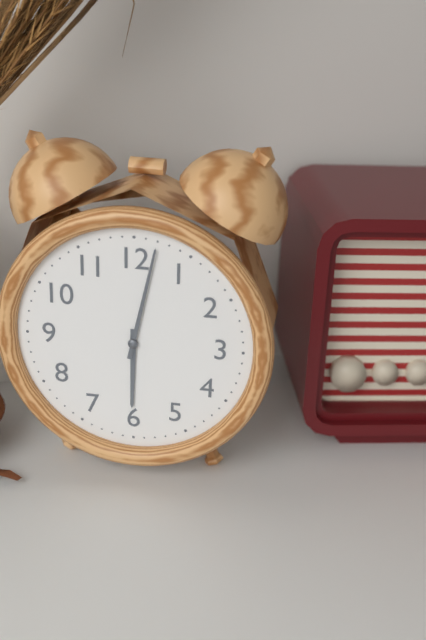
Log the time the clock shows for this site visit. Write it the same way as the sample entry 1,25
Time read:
6,02
